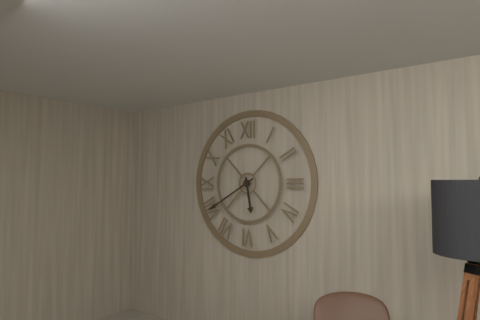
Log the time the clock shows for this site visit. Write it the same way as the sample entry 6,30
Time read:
5,40
